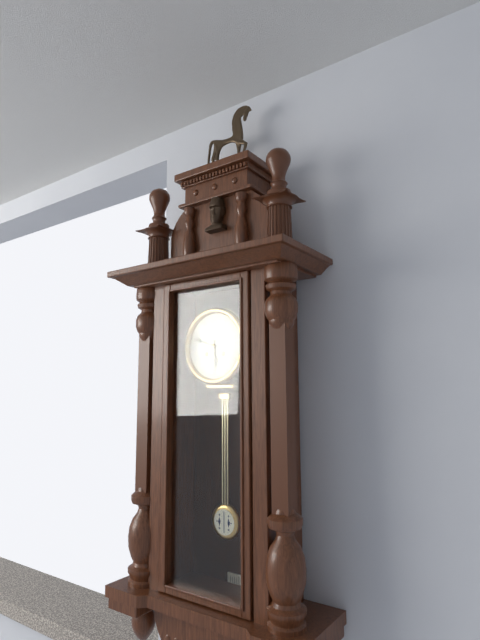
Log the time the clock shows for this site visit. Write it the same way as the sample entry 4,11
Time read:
5,48
